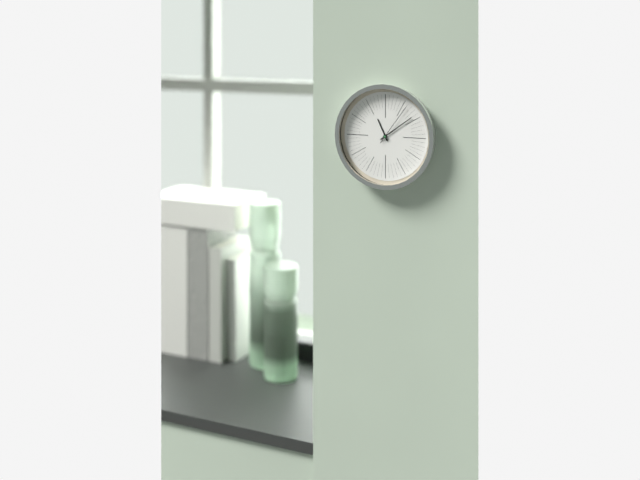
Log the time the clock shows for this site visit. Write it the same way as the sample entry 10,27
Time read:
11,09
